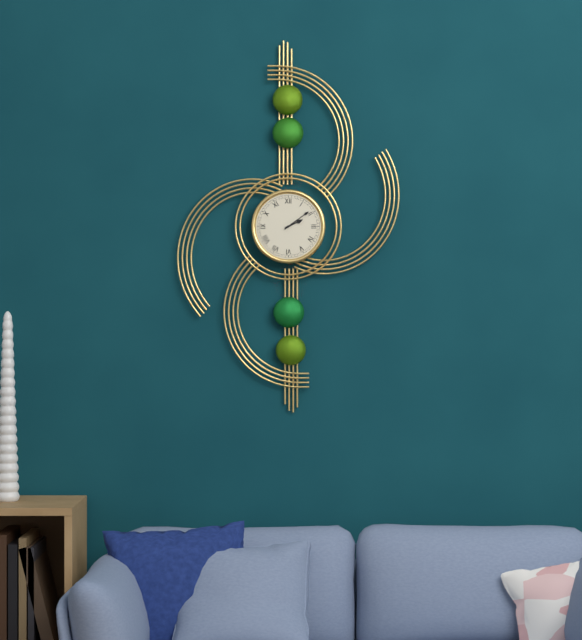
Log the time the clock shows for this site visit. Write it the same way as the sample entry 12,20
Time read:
2,09
